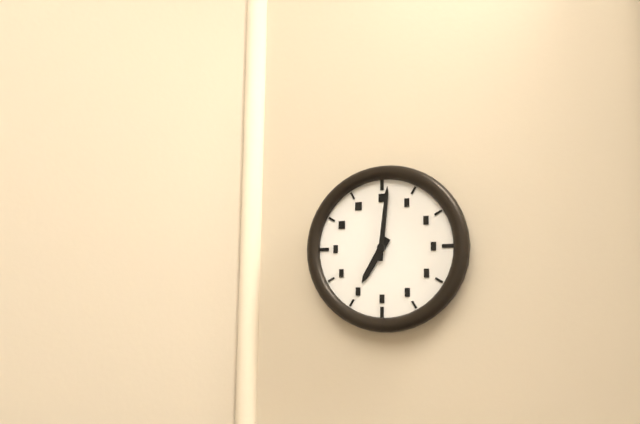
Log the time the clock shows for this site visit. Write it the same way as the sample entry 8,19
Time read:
7,01
